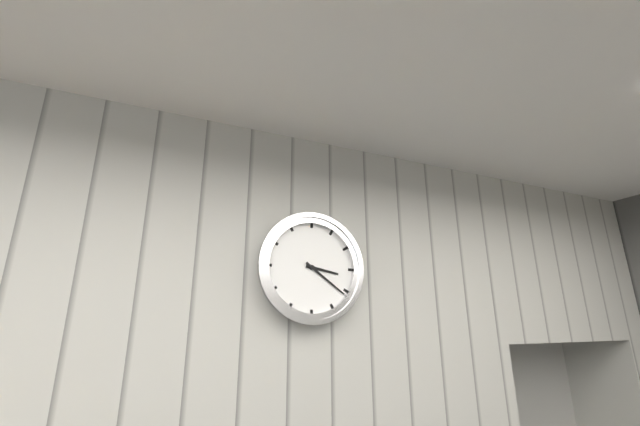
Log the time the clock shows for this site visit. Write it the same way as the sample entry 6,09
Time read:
3,21
